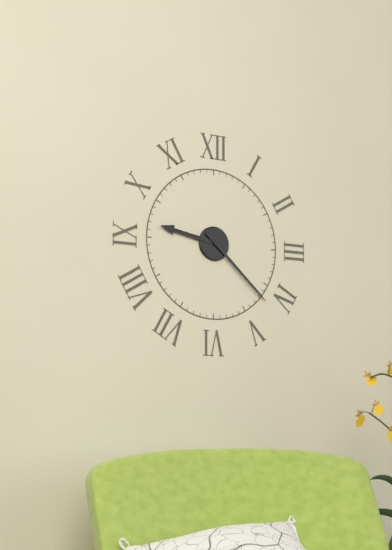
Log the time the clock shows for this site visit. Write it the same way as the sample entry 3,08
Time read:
9,22
